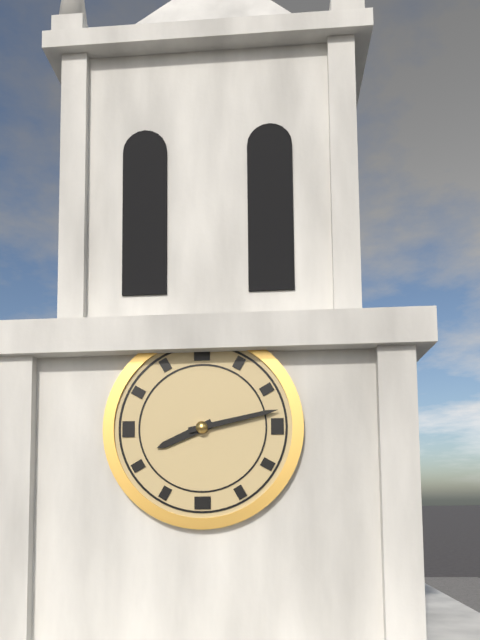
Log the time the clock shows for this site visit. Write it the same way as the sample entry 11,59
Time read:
8,13
